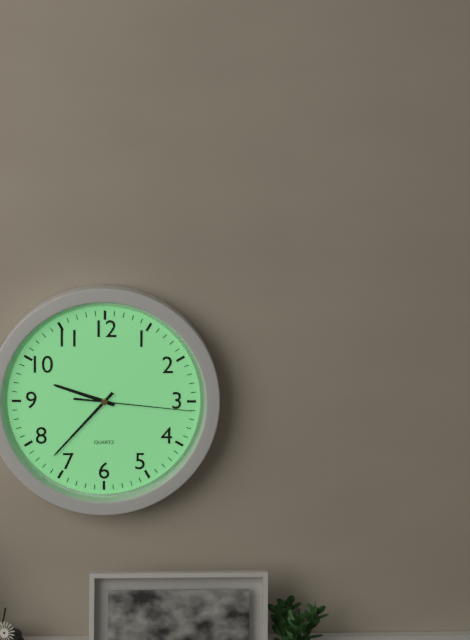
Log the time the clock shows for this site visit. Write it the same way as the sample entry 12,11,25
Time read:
9,37,16
